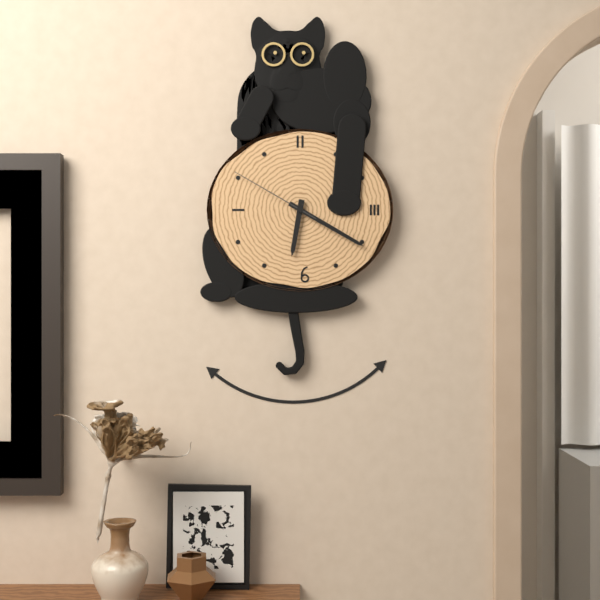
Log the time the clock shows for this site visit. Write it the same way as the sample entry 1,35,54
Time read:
6,20,50
